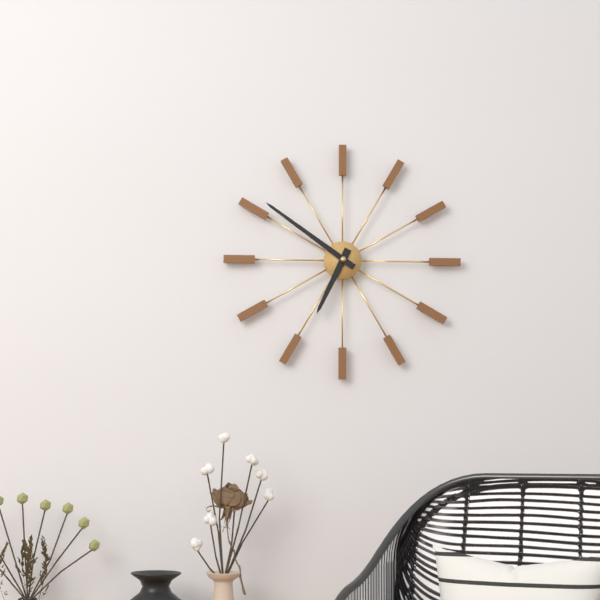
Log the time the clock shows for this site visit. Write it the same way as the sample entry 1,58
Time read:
6,51
